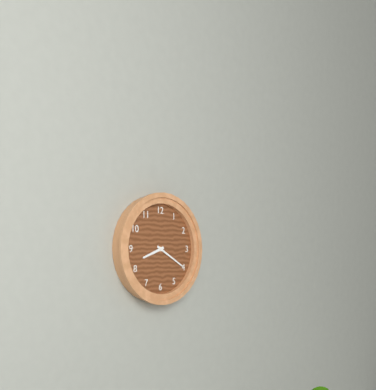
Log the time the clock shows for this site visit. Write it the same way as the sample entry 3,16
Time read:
8,20
